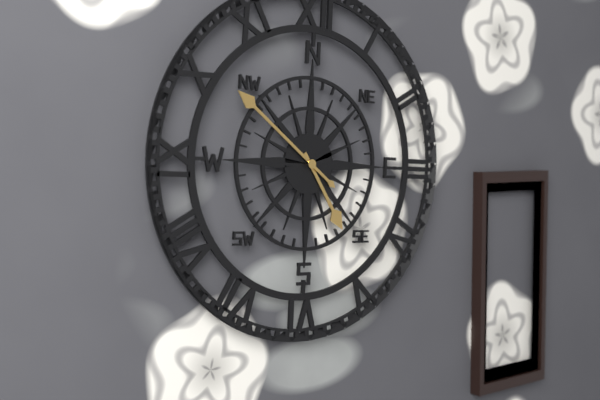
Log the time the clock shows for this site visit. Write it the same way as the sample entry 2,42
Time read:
4,51
